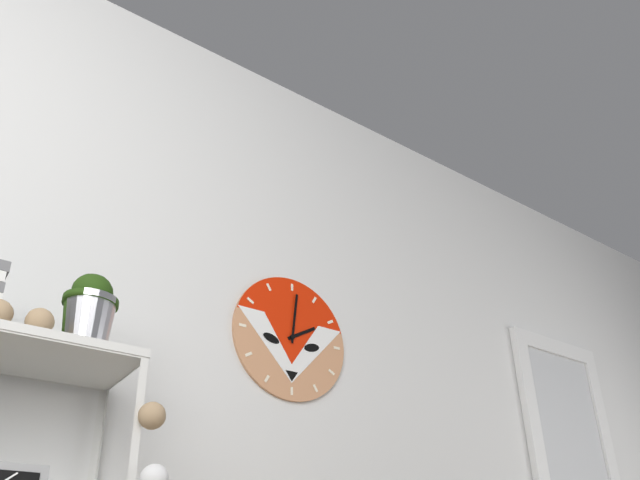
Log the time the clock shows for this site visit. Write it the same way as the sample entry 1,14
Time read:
2,01
